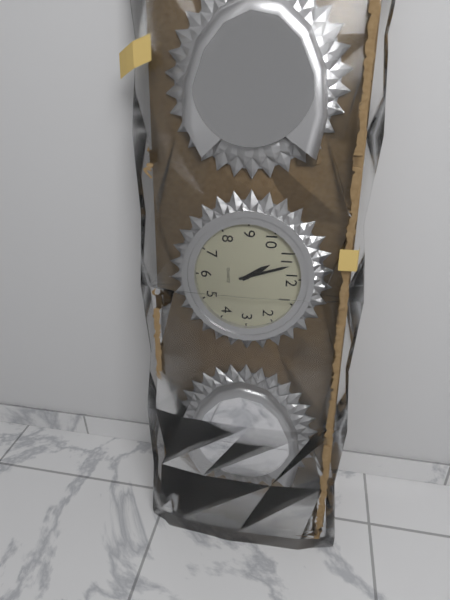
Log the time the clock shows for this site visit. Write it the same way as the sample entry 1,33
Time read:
10,57
